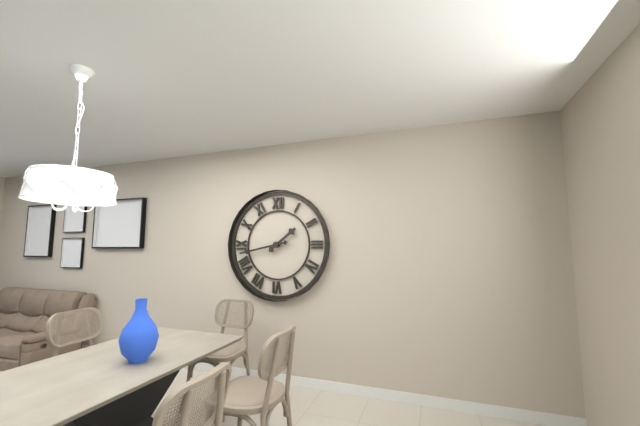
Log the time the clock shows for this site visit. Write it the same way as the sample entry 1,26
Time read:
1,43
